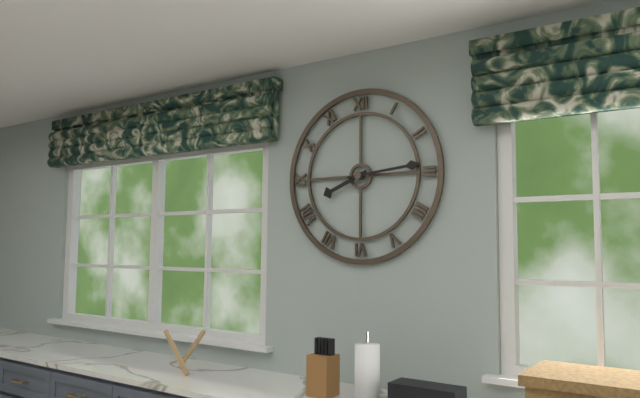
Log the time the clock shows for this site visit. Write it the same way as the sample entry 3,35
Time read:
8,14
